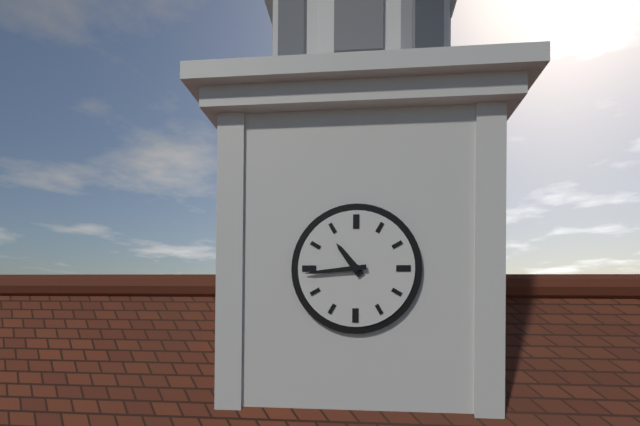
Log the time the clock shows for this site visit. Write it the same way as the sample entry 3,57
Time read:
10,44
